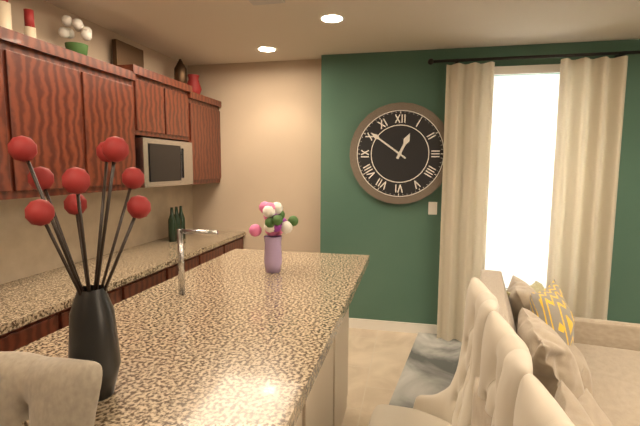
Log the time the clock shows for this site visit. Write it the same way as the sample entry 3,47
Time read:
12,51
